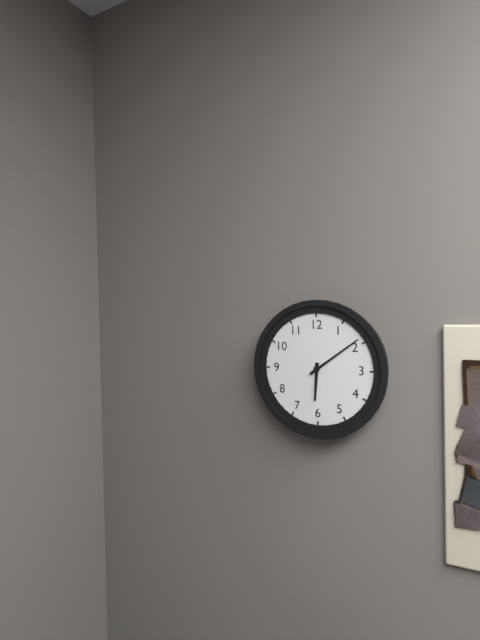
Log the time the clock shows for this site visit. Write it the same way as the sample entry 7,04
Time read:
6,09
